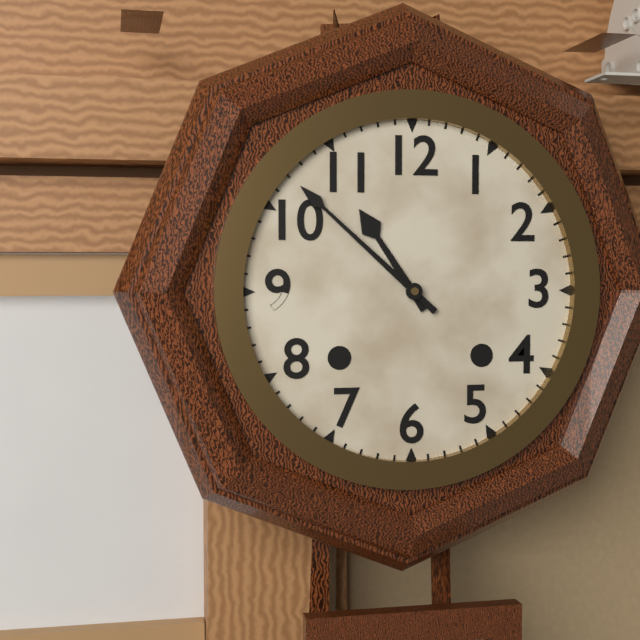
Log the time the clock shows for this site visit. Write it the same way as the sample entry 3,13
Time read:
10,52
